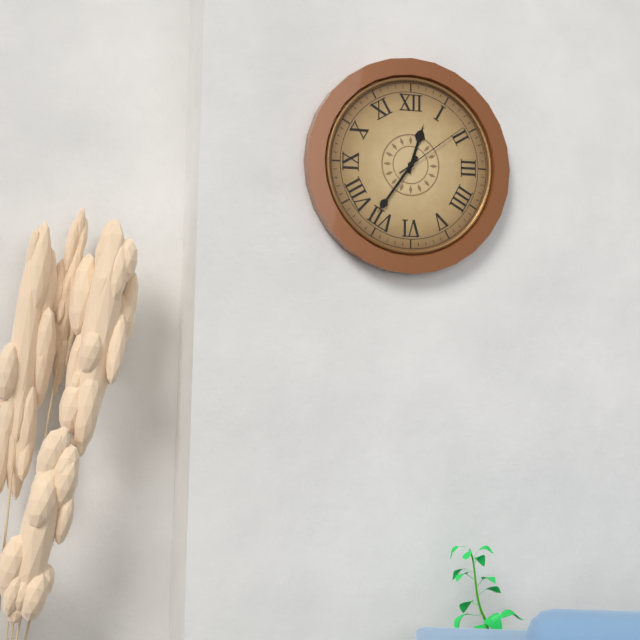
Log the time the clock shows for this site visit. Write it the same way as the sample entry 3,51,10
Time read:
12,36,09
